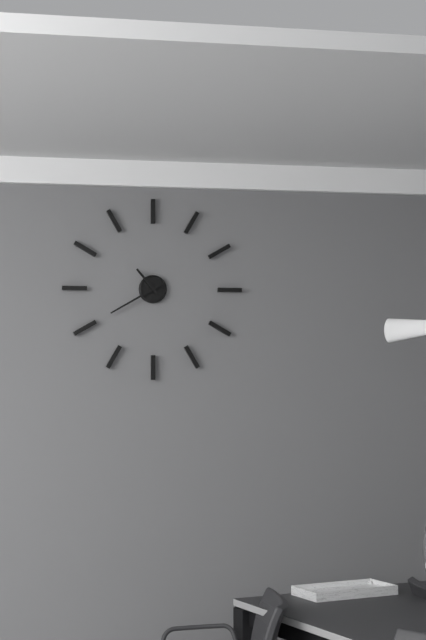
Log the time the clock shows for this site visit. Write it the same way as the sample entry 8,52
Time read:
10,40
